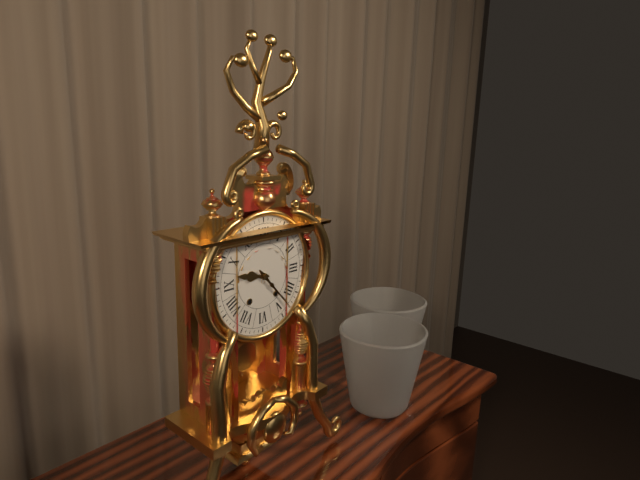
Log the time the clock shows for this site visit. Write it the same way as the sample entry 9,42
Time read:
9,23
